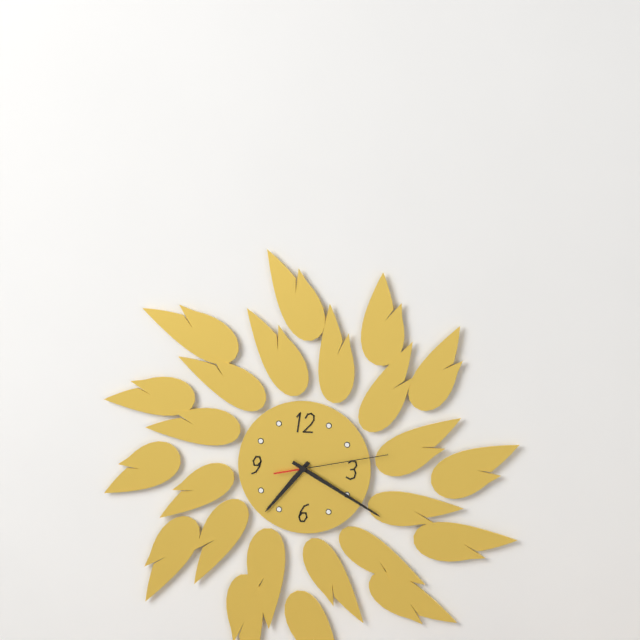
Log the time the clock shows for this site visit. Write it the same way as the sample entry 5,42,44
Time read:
7,20,13
